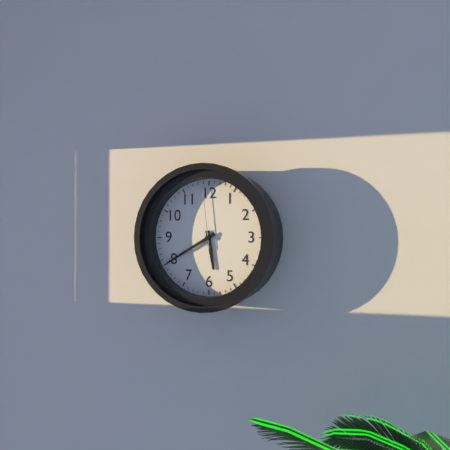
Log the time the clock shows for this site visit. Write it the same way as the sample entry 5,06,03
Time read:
5,40,59
